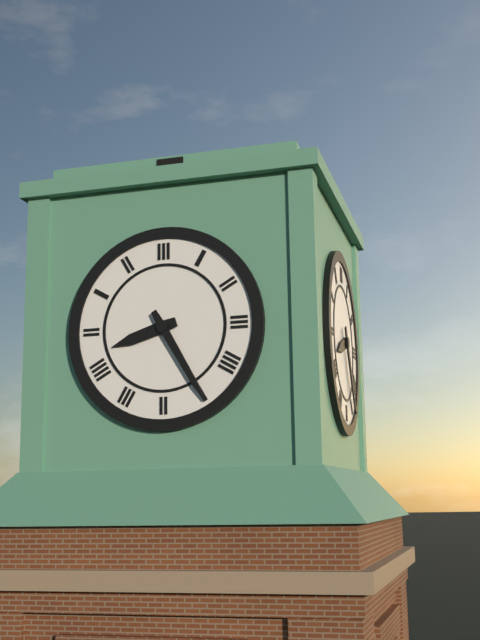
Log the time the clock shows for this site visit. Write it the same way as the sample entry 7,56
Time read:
8,25
